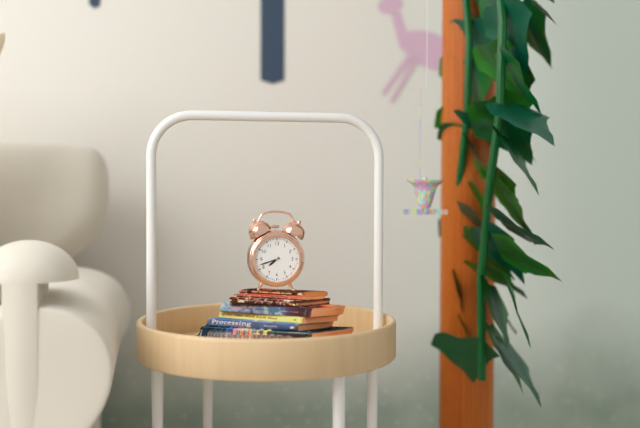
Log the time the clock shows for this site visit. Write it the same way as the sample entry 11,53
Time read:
7,42
